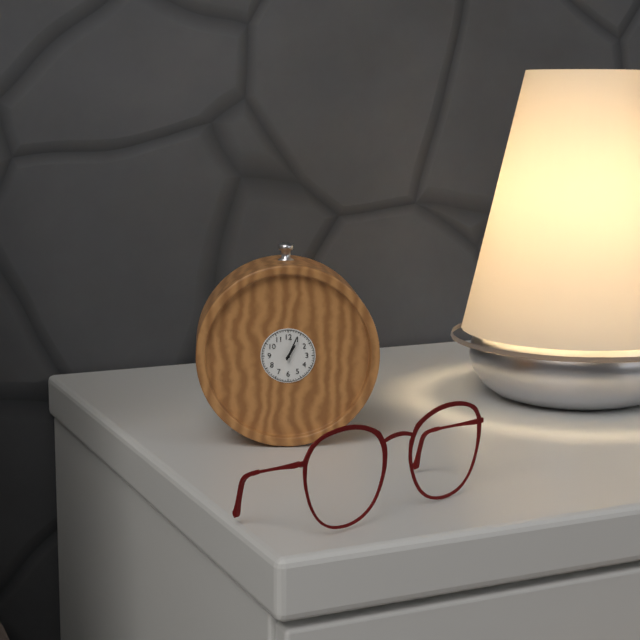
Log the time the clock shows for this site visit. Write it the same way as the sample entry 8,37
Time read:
1,04
